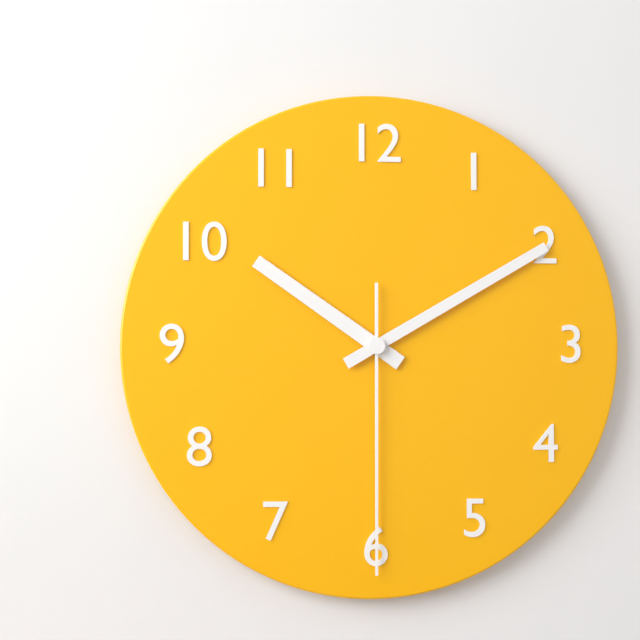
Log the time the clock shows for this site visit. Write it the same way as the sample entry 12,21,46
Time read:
10,10,30
